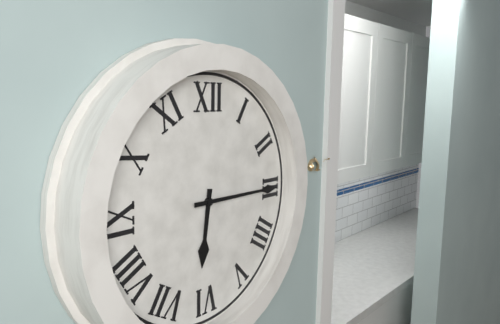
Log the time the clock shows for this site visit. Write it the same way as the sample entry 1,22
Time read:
6,15
